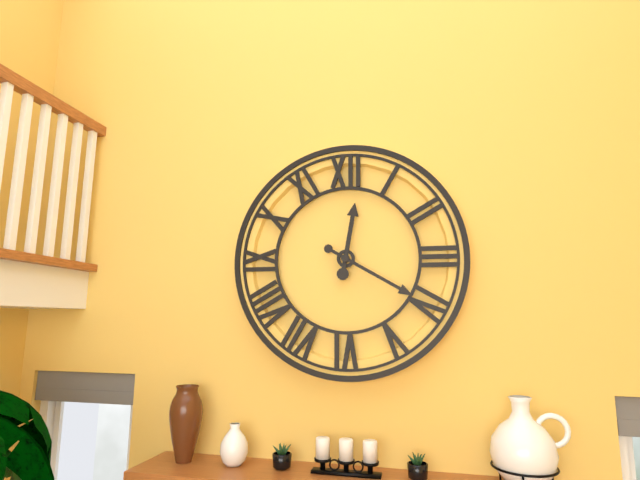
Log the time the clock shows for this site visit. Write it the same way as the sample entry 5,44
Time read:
12,20
